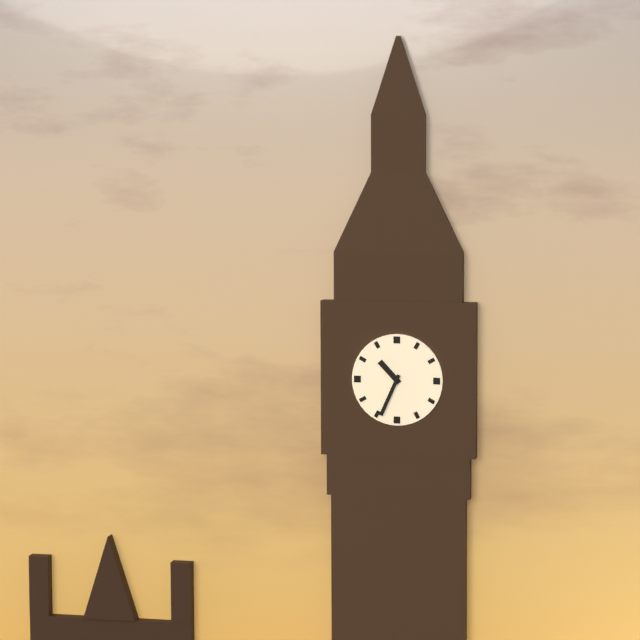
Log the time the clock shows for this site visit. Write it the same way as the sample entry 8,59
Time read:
10,34
